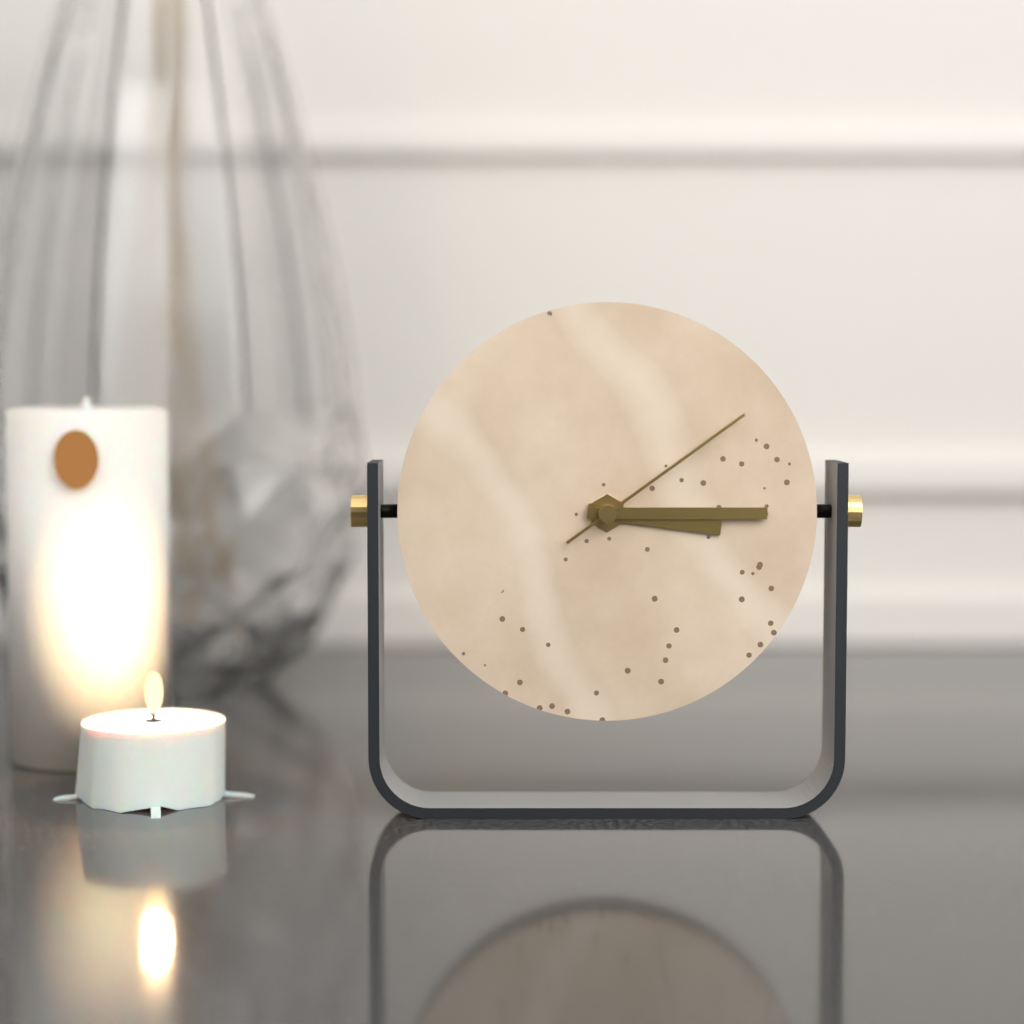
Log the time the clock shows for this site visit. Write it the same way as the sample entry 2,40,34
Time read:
3,15,09
